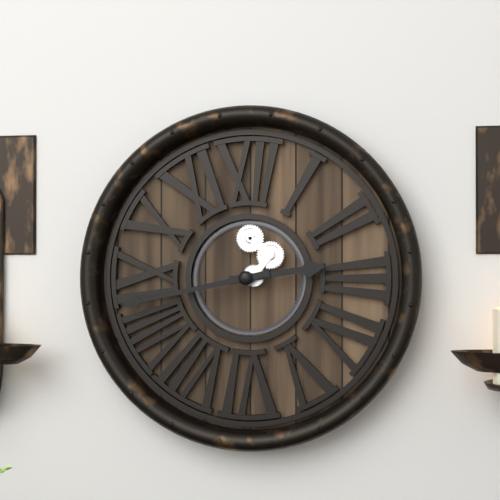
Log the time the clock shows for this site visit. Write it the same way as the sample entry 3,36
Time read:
2,43
